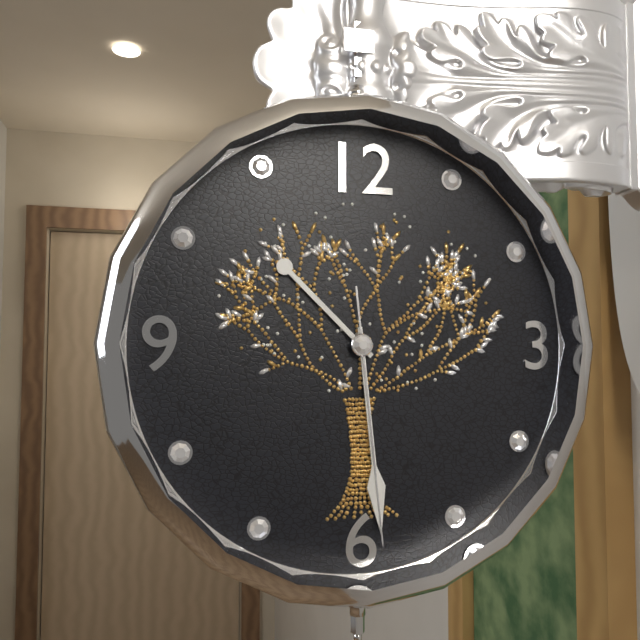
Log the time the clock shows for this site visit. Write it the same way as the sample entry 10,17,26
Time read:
10,29,29
